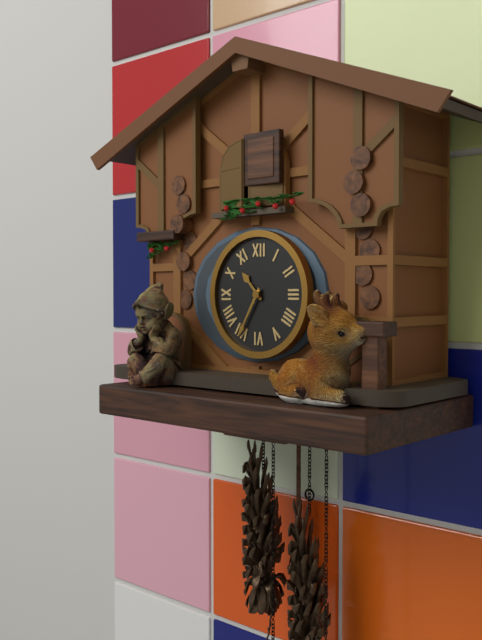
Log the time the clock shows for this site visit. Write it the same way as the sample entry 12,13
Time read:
10,35
